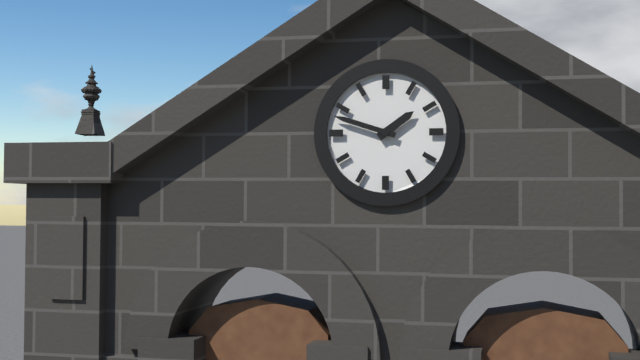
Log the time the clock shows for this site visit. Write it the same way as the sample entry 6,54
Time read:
1,48
